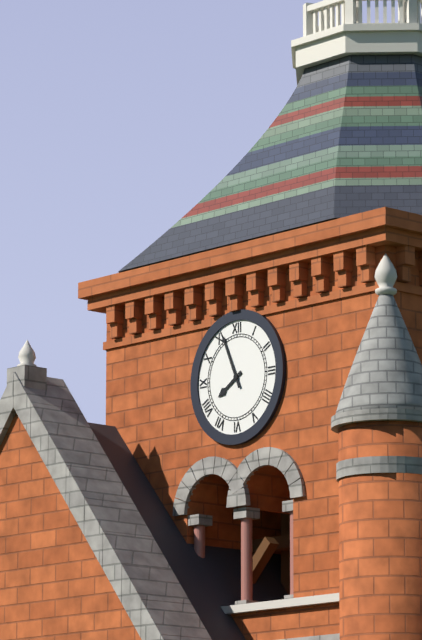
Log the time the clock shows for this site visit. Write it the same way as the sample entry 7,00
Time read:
7,56
